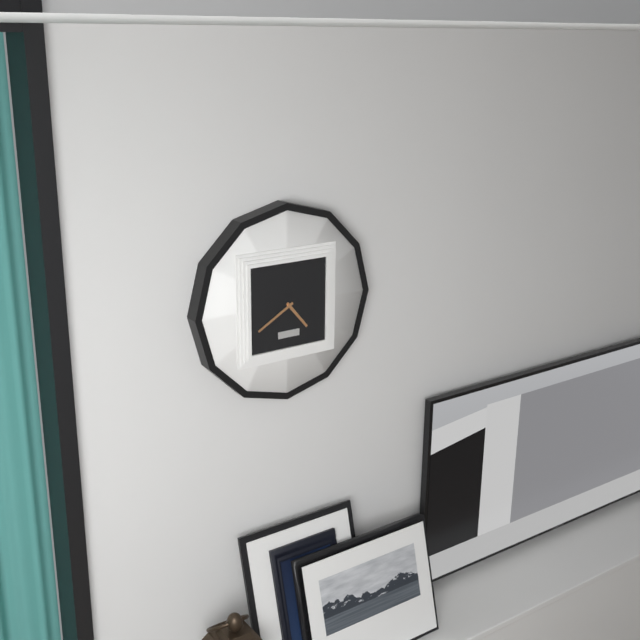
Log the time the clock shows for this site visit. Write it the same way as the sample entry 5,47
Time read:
4,40
